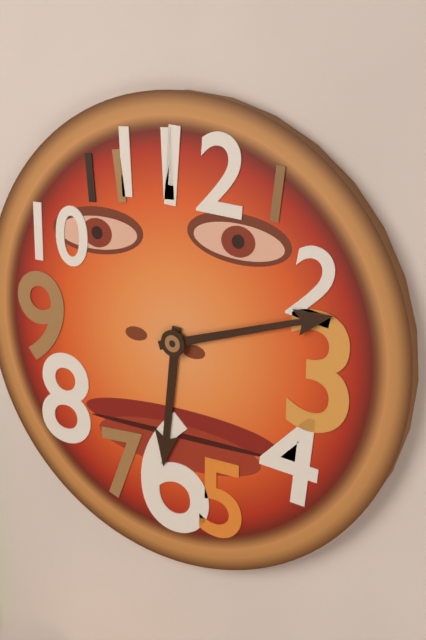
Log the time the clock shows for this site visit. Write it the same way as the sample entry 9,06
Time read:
6,12
